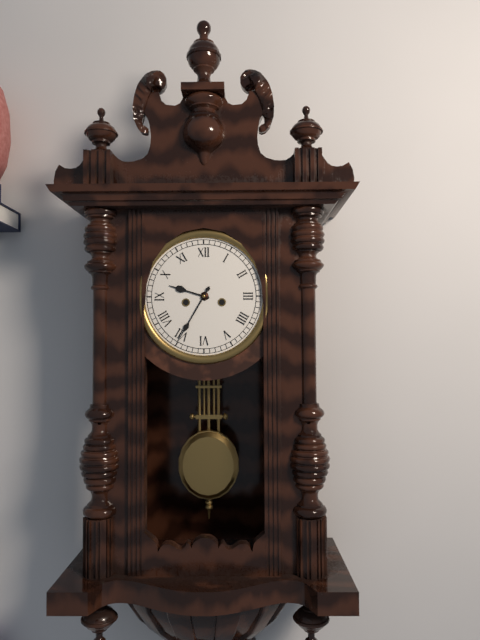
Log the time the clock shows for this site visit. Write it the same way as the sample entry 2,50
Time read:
9,35
